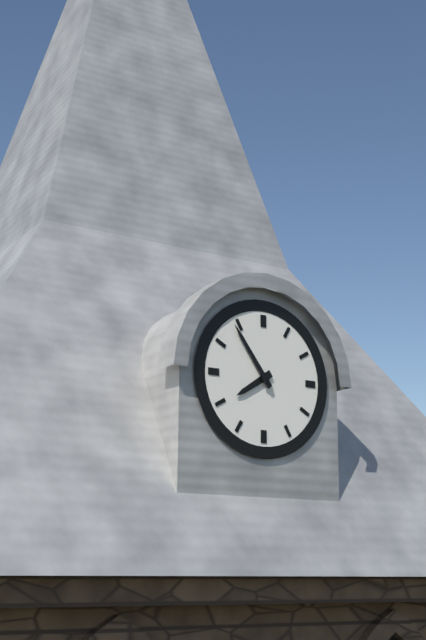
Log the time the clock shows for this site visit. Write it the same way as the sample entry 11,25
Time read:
7,54
